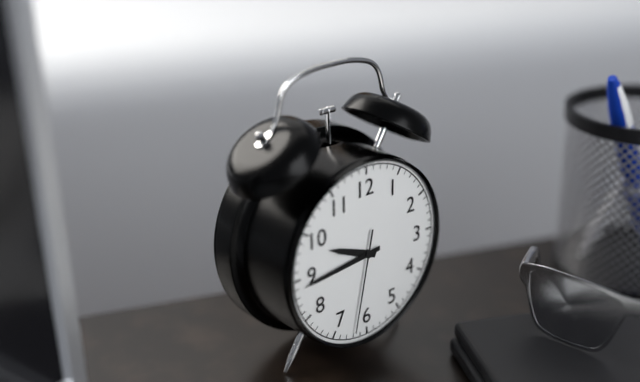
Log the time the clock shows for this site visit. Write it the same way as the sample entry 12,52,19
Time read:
9,44,32
